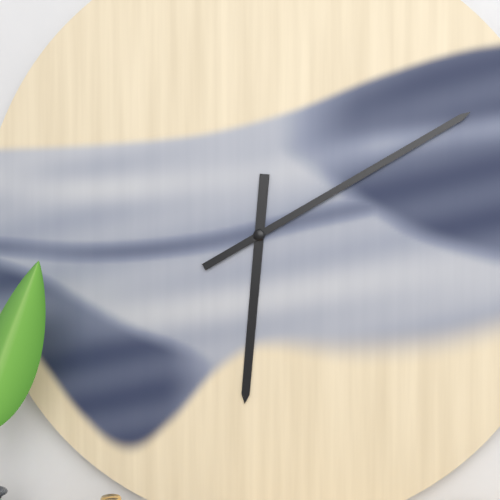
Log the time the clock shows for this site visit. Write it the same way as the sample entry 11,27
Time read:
6,10
